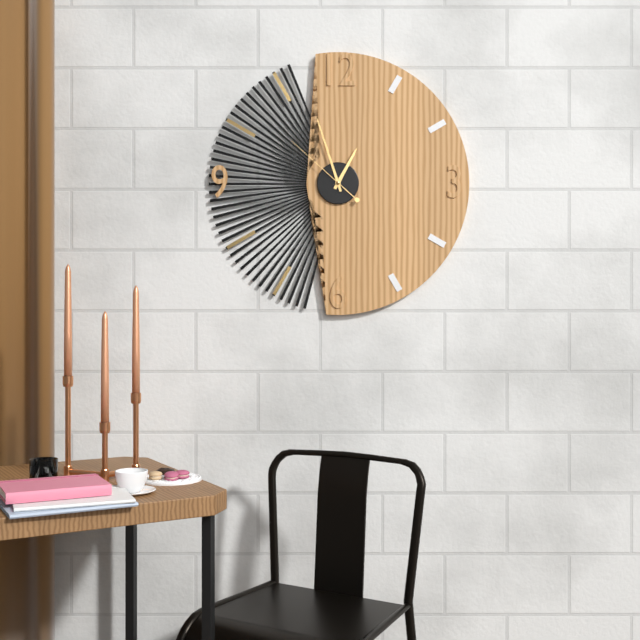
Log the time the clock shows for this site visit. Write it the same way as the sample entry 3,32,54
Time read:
12,57,52
